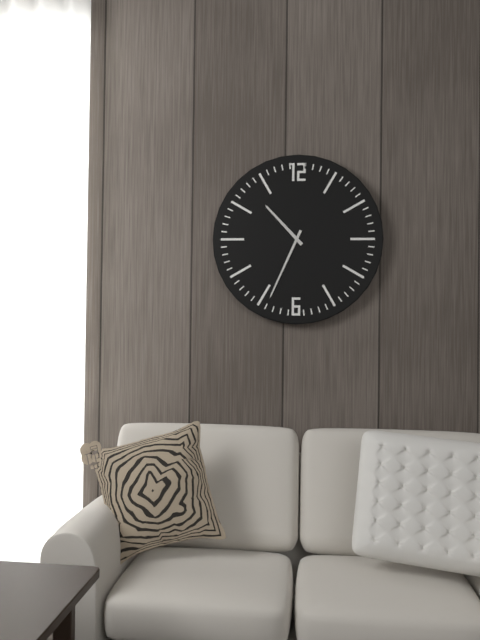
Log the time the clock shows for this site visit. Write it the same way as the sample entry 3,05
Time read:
10,34
